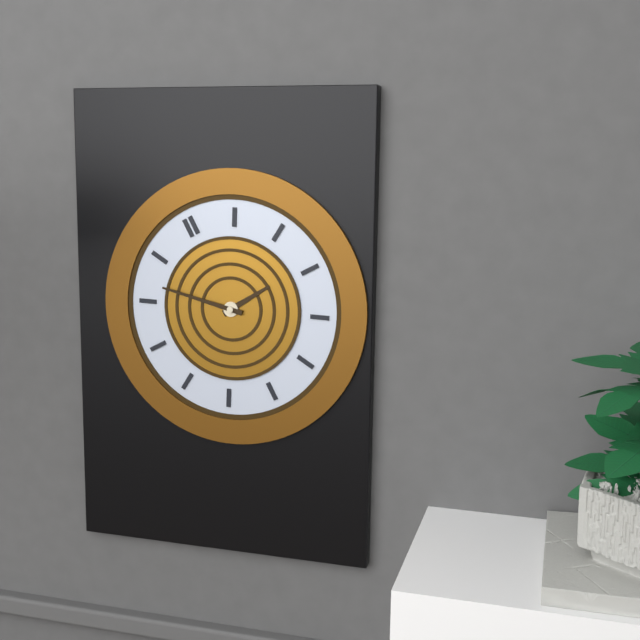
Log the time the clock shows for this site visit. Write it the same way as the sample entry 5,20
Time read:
2,52
